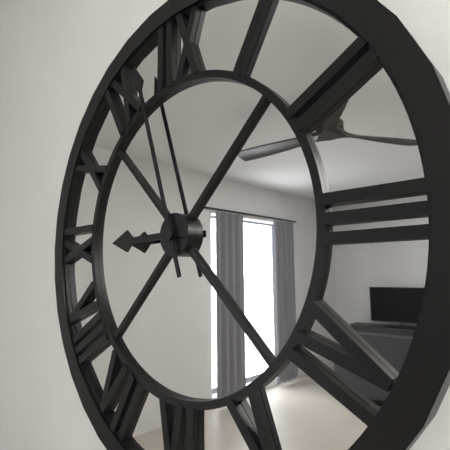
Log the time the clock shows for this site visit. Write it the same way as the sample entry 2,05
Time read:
8,57
